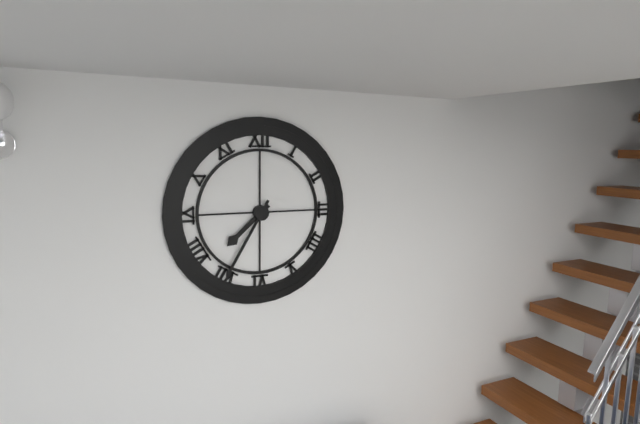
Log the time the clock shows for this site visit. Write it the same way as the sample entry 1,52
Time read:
7,35
